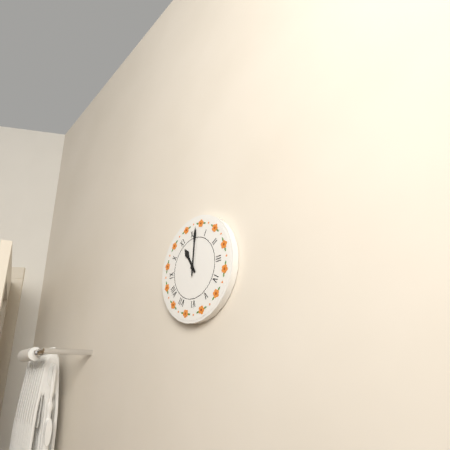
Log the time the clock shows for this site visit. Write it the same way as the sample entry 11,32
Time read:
11,01
